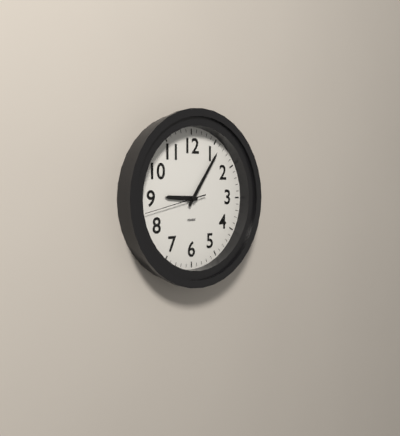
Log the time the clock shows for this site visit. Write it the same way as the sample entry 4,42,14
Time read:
9,06,43
